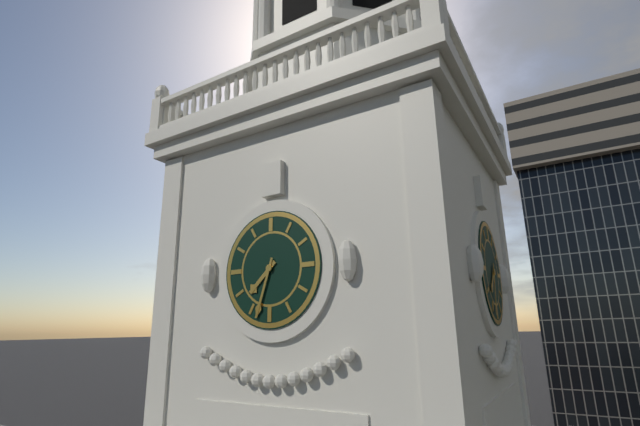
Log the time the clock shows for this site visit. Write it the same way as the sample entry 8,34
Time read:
7,33
